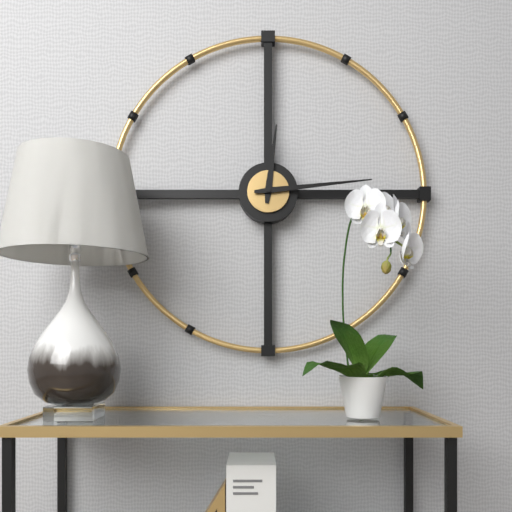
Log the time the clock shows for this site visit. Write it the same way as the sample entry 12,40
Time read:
12,14
